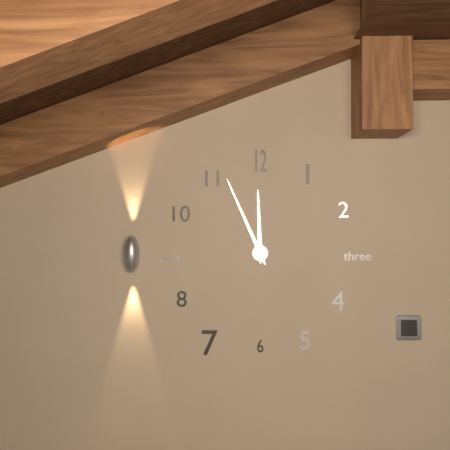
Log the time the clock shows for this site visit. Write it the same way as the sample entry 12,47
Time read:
11,56
